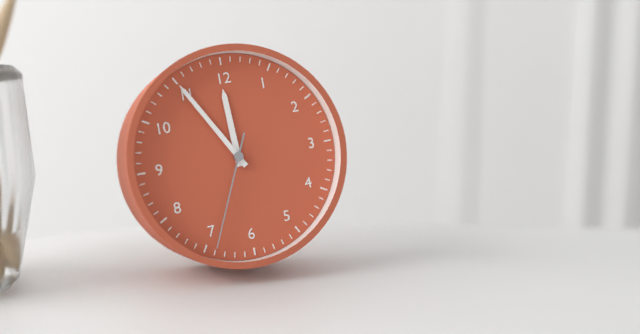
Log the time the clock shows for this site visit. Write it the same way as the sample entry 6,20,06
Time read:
11,55,34
